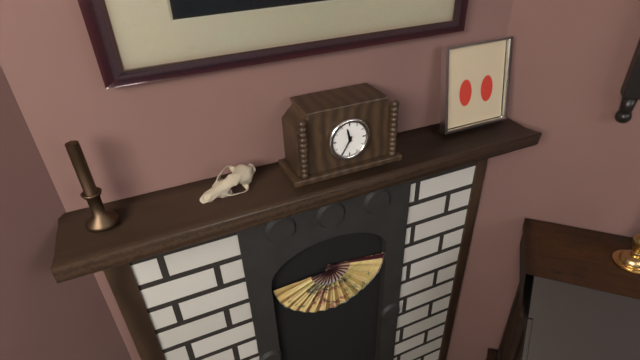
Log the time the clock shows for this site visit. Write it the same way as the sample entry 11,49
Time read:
11,35
